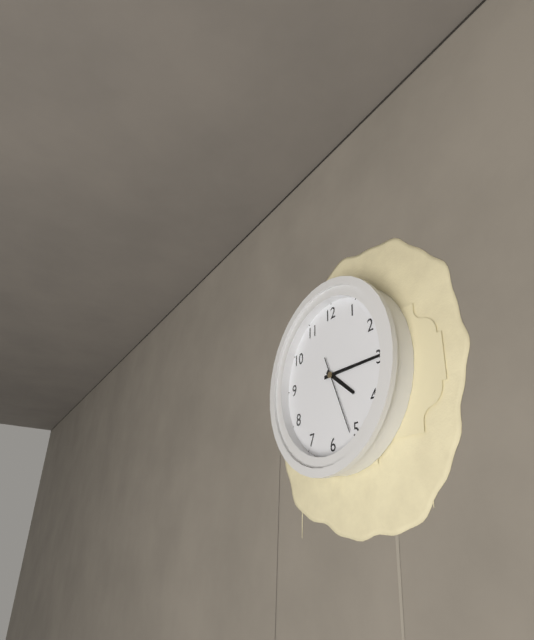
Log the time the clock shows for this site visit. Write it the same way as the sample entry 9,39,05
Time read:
4,15,26
